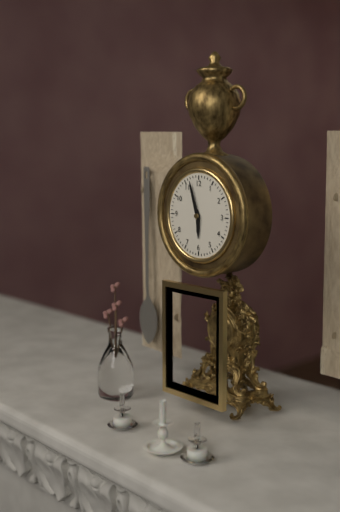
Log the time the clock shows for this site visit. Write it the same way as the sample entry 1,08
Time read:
5,57
